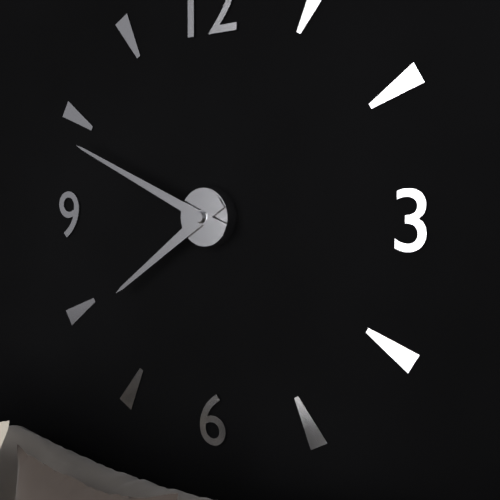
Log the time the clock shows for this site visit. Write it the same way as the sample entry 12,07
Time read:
7,49
